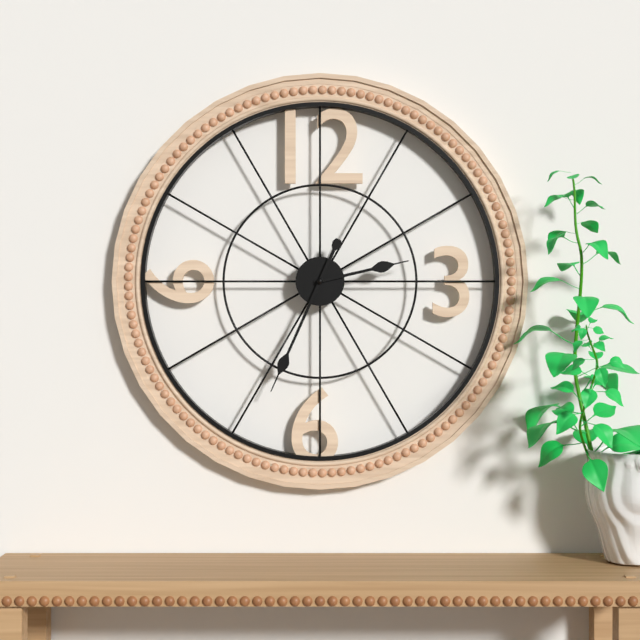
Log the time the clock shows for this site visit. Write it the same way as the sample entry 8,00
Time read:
2,34
